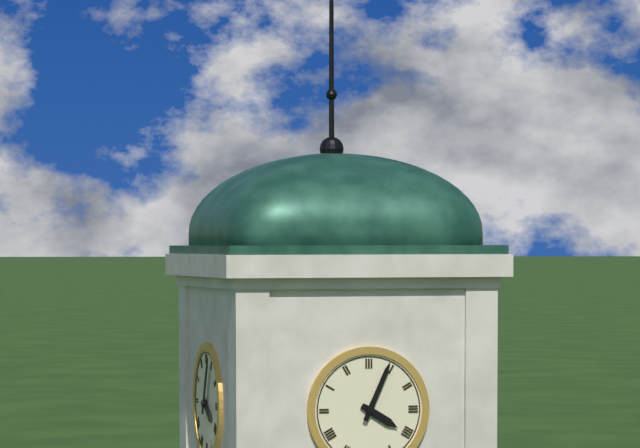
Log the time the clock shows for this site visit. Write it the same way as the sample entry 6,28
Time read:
4,04
